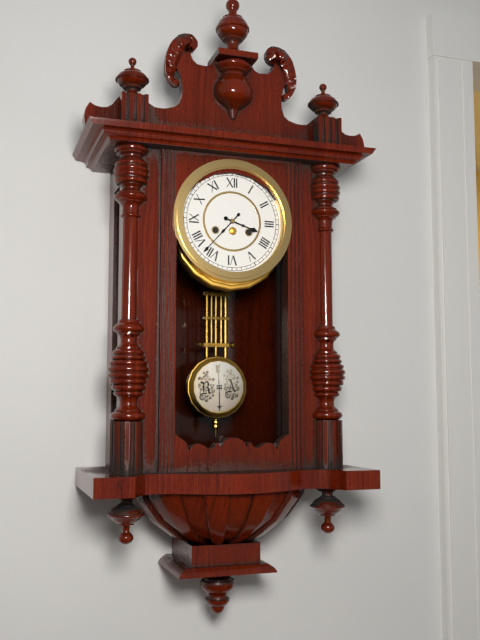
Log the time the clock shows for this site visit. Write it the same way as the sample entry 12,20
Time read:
3,37
